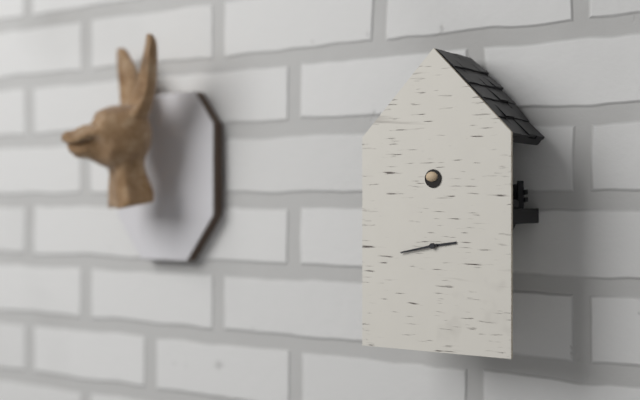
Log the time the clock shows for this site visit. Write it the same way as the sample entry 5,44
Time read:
2,43
